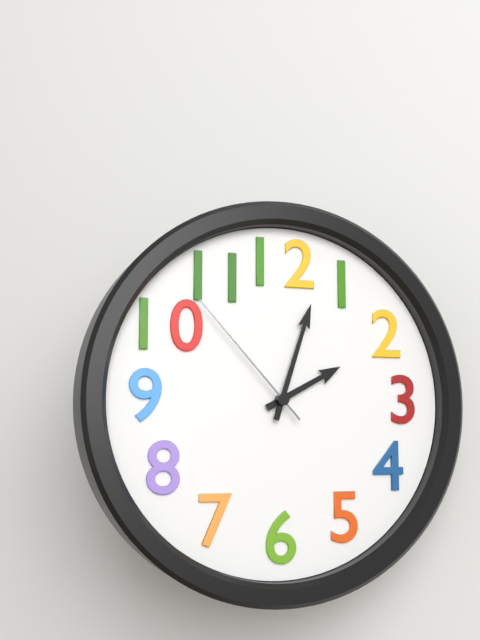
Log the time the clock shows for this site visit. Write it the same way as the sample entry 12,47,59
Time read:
2,03,53
